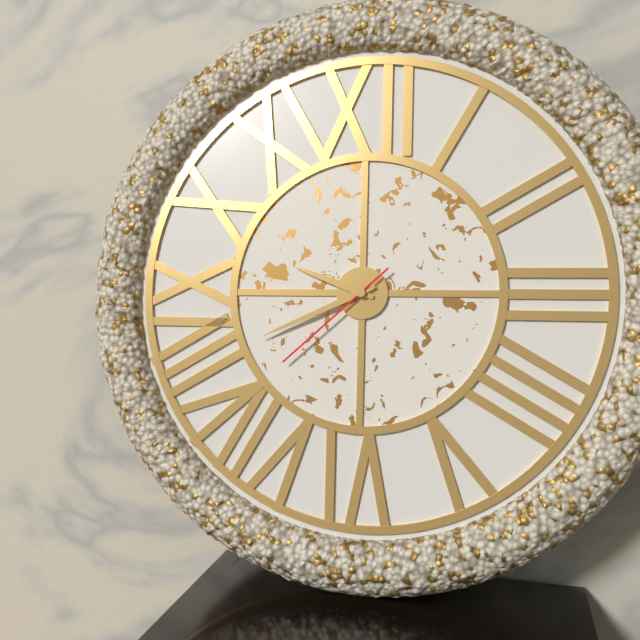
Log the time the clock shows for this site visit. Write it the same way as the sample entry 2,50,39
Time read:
9,41,38
